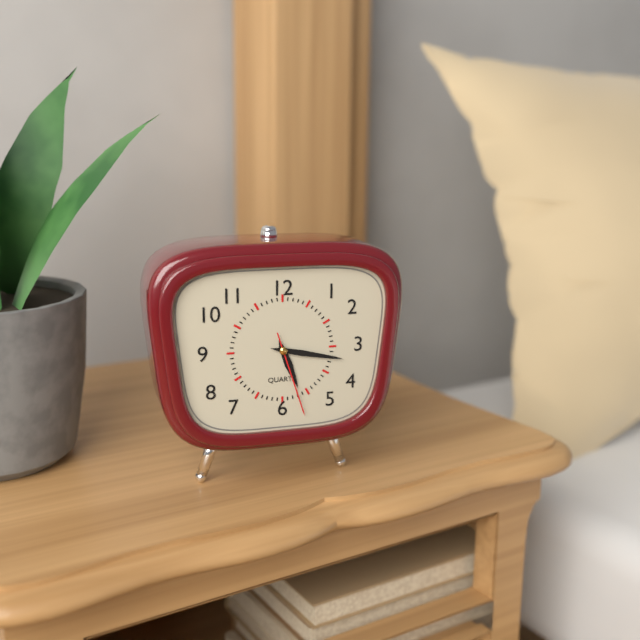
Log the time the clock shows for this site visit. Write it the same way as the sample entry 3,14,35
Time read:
5,17,27
